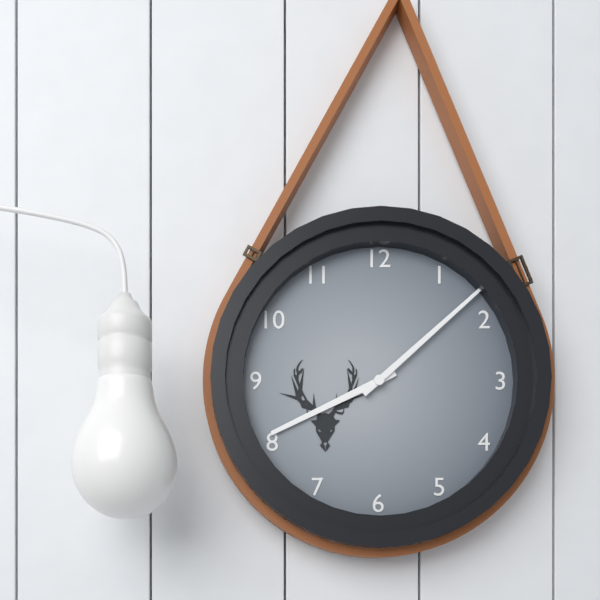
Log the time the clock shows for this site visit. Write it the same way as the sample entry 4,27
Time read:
8,08
